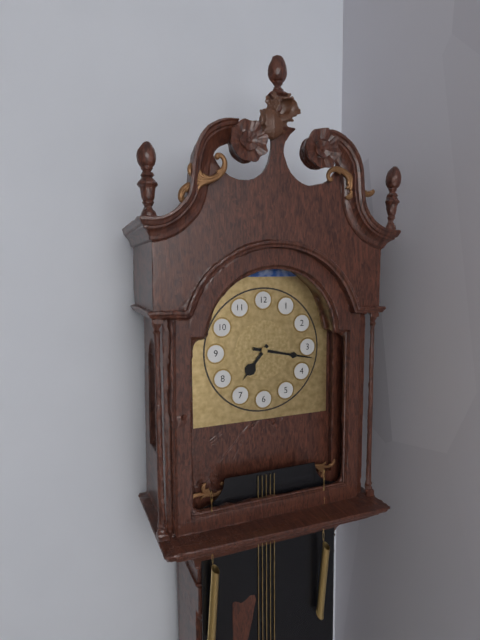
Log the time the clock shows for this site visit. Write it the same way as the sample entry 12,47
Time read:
7,17
